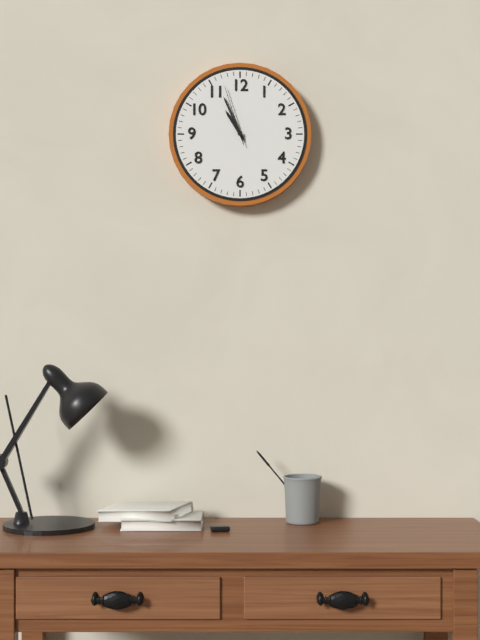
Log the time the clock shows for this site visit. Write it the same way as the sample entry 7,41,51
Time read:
10,56,57
